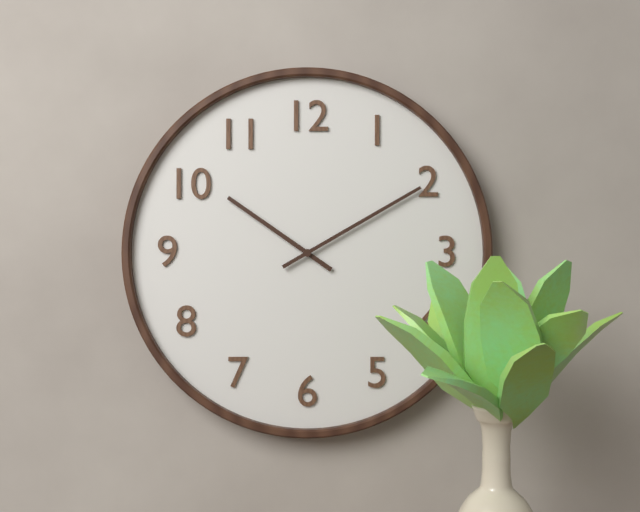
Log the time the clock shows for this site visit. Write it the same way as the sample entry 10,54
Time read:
10,10
